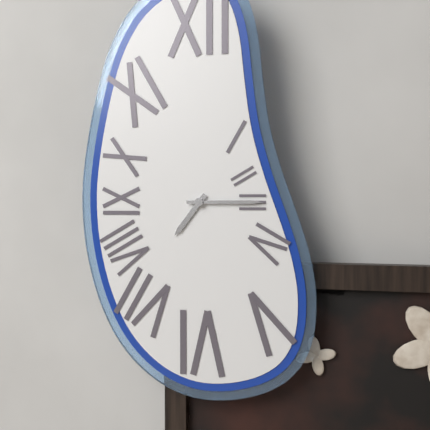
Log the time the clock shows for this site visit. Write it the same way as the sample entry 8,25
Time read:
7,15
